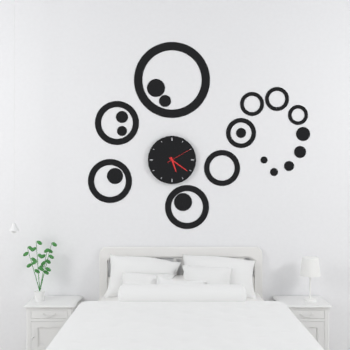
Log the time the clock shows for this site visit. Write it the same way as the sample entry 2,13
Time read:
5,21
